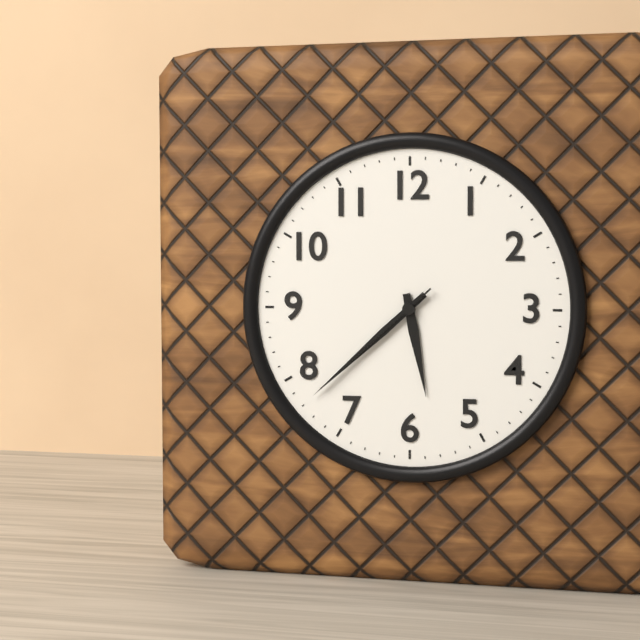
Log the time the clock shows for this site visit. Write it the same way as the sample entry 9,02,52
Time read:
5,38,38
